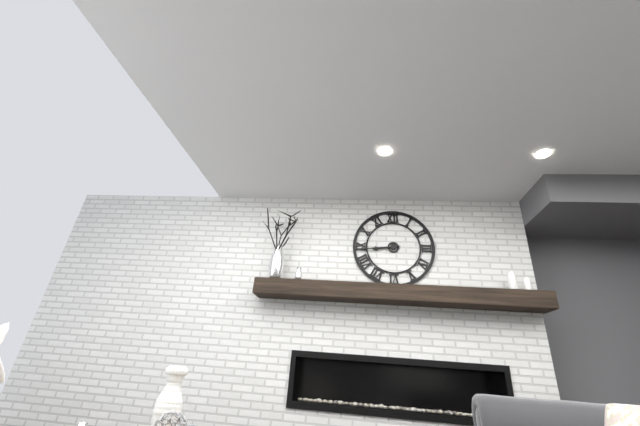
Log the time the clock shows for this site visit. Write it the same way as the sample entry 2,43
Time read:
8,44
